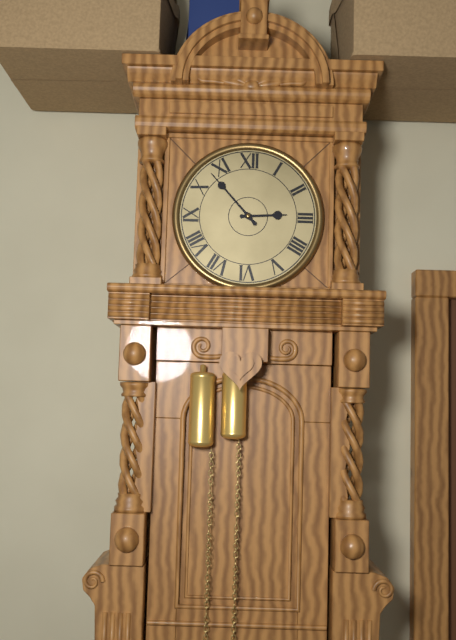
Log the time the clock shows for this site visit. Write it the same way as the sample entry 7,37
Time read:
2,53
